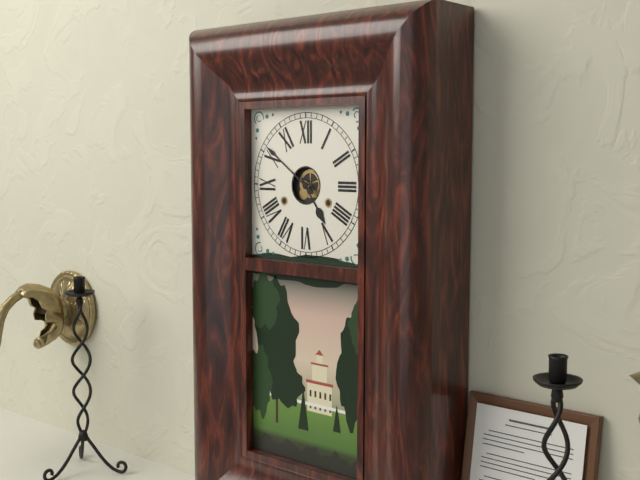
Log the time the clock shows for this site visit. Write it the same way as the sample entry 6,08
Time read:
4,51
